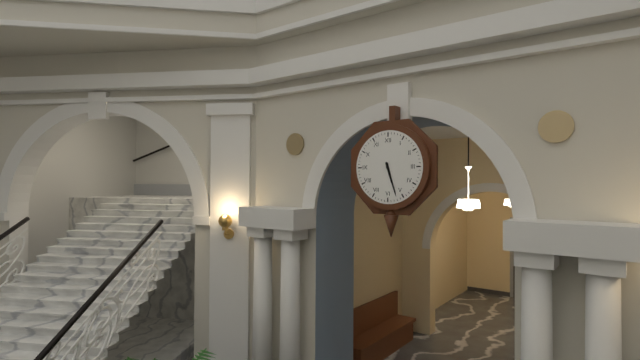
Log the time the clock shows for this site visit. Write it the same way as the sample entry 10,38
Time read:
5,27
